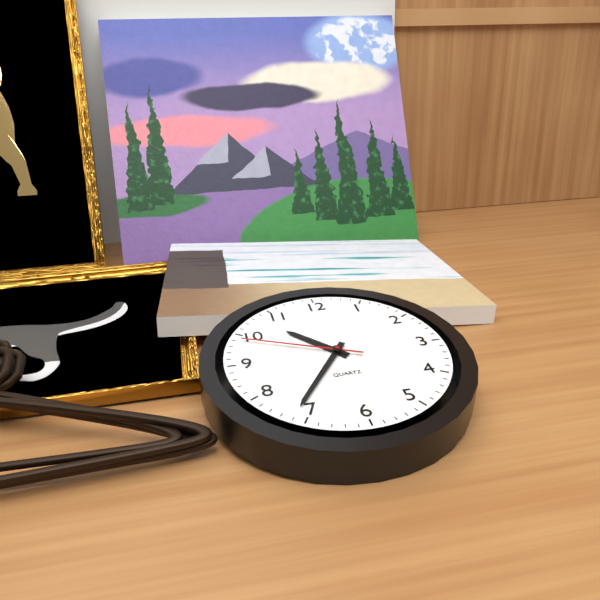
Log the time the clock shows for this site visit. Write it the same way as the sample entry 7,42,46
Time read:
10,36,49
